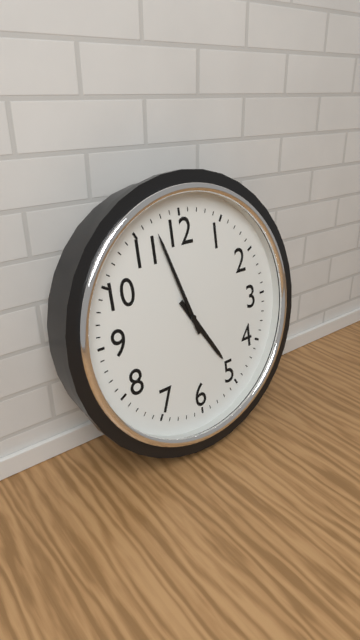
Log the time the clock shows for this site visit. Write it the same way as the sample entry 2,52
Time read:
4,57
